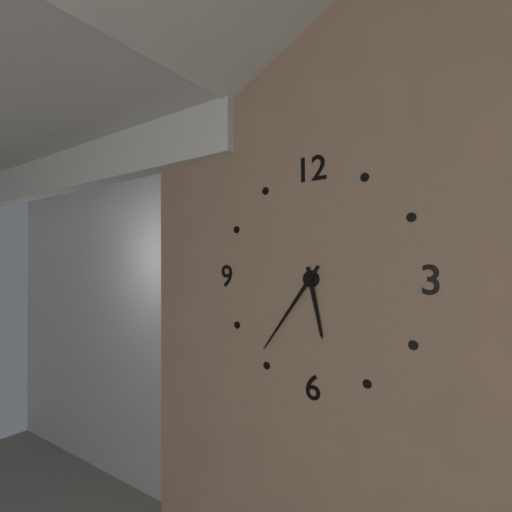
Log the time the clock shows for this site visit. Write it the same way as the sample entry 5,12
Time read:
5,36
